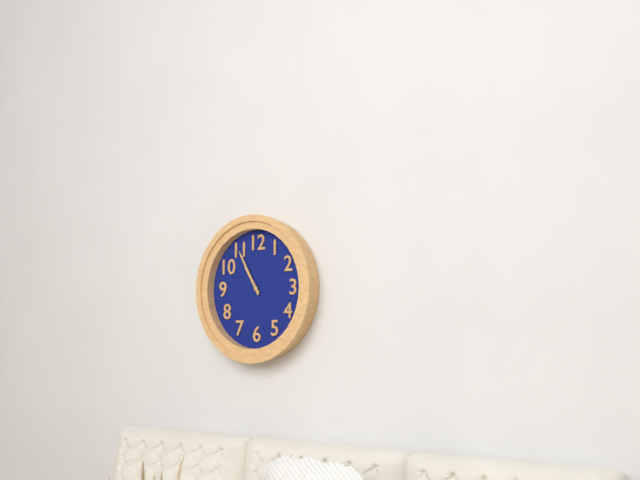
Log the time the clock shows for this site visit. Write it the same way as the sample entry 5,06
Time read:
10,55
